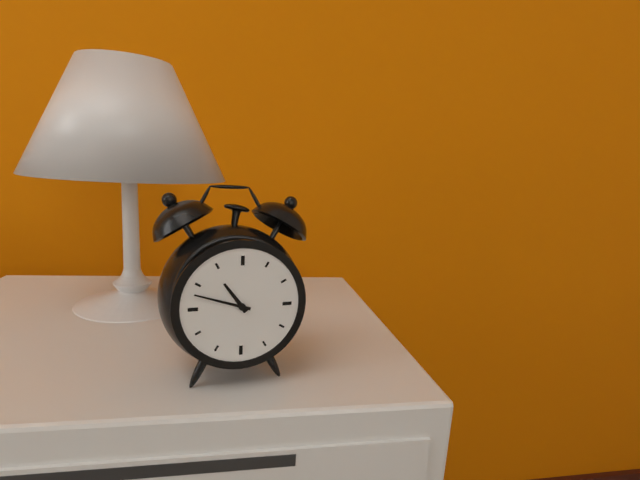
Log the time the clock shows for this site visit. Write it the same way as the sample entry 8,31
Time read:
10,48
